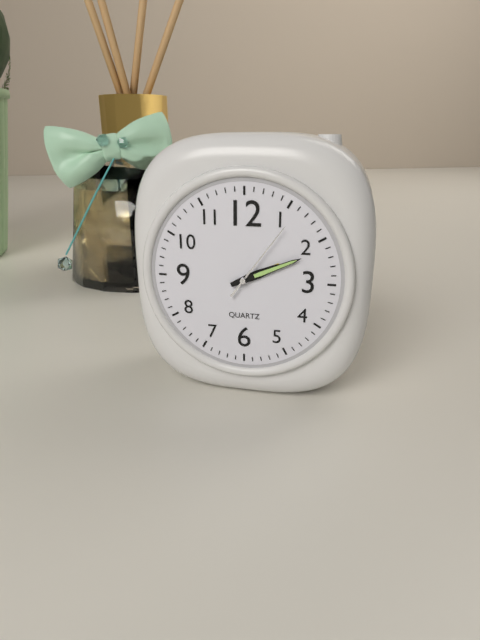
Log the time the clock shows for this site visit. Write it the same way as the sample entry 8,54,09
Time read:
2,11,06
